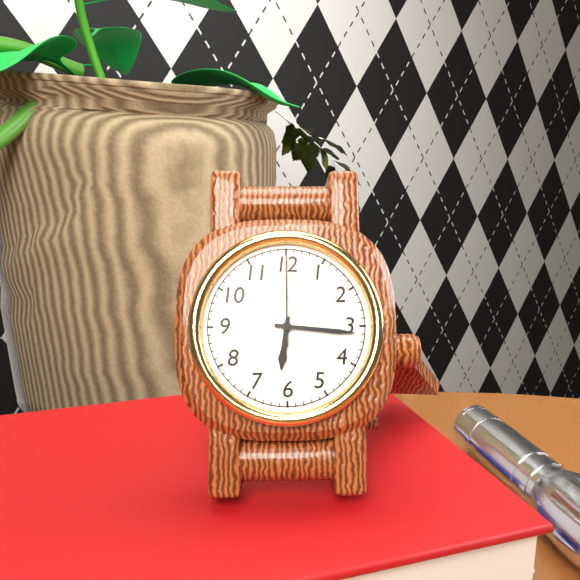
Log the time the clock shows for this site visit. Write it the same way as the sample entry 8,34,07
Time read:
6,16,00
